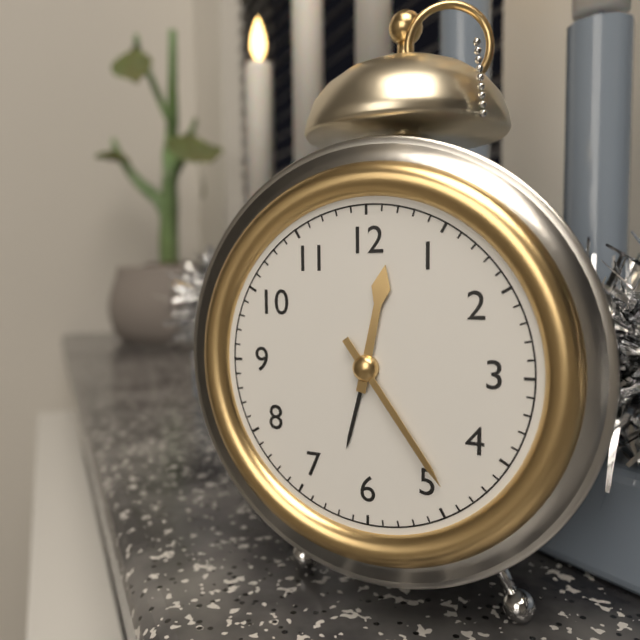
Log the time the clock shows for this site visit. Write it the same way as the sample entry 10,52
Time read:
12,24
